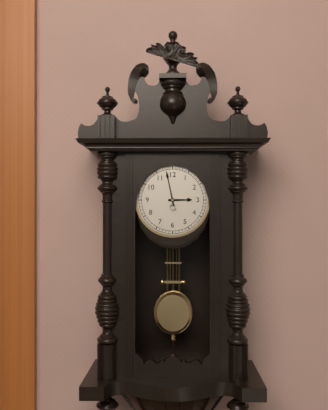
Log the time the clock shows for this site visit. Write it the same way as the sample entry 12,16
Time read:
2,58
